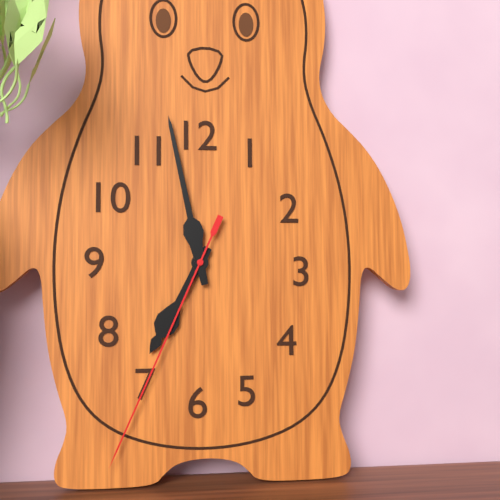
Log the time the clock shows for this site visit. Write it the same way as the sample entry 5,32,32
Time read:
6,58,34
